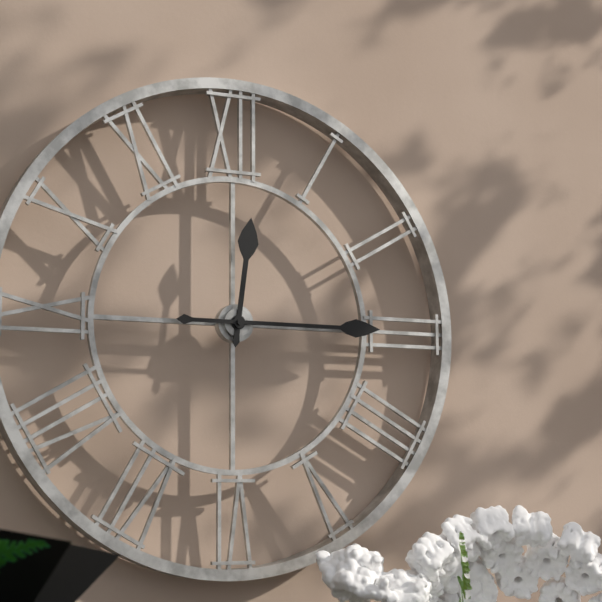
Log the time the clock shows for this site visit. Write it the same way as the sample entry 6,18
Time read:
12,15
